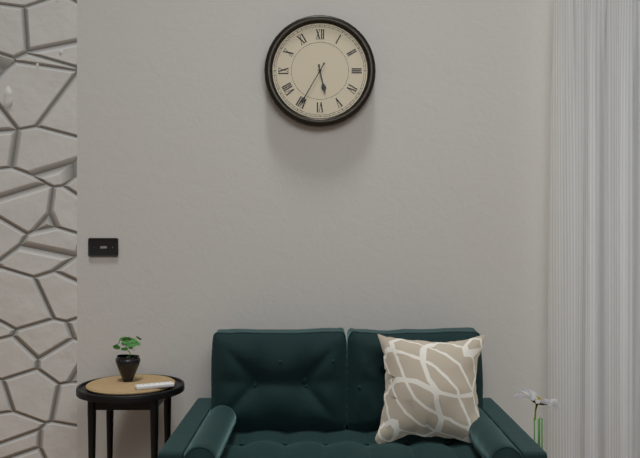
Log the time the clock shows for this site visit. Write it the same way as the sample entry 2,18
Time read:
5,35
